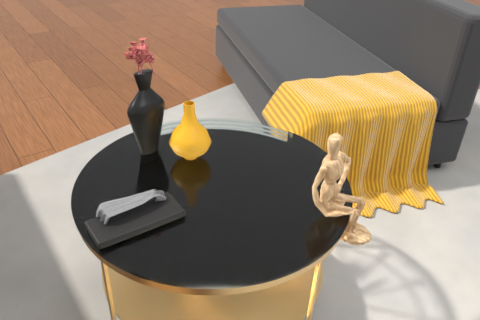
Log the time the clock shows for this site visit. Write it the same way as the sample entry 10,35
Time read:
9,18
